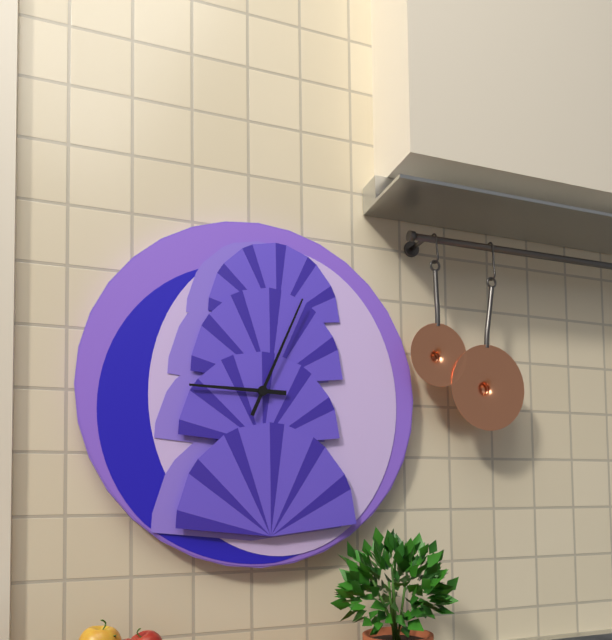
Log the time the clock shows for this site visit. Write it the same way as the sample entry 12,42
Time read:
9,04
